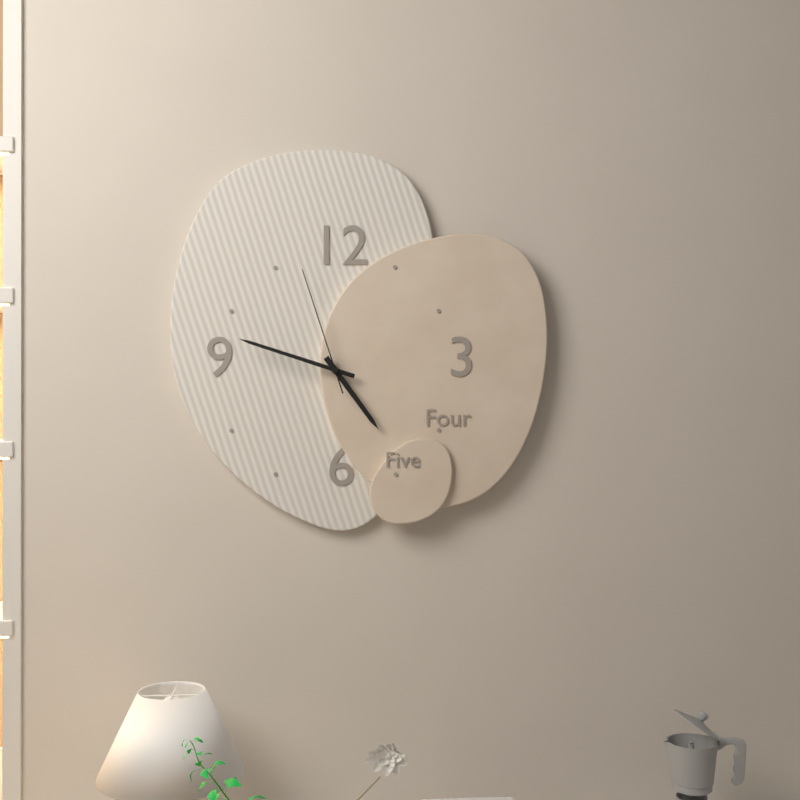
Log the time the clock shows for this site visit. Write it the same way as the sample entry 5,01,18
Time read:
4,48,57
